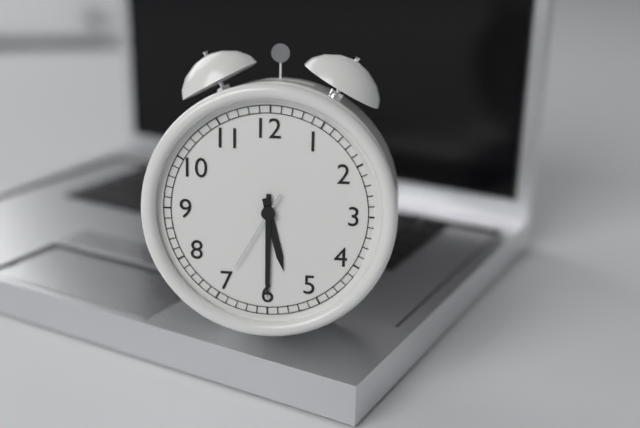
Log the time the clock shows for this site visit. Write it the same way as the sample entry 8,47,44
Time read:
5,30,35
